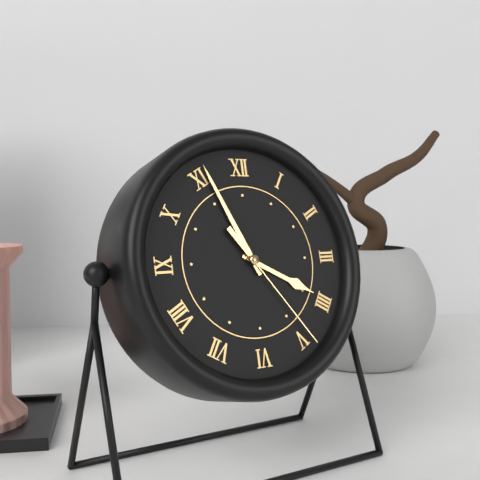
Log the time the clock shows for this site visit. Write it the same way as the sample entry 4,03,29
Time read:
3,56,24
